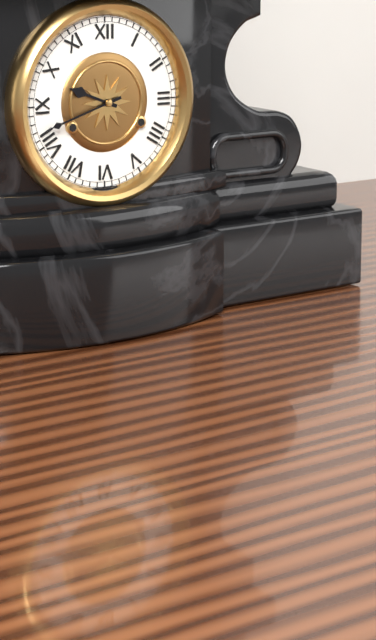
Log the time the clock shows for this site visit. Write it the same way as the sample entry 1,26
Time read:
9,42
